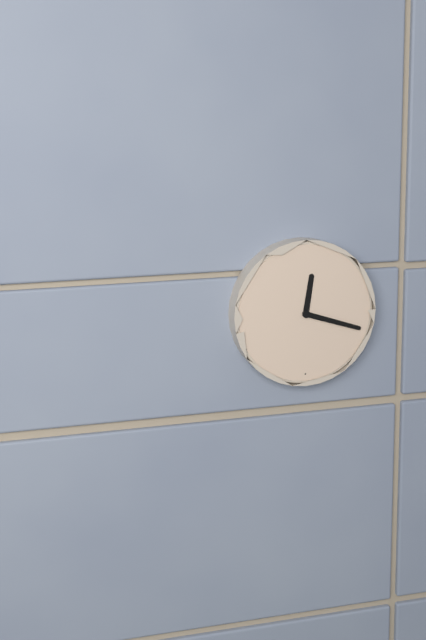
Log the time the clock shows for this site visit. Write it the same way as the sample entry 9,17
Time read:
12,18
